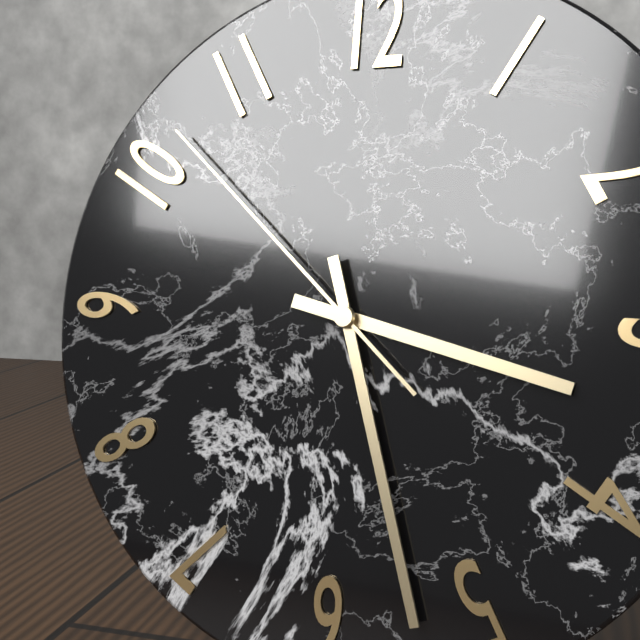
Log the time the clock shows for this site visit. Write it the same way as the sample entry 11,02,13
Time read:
3,27,52
